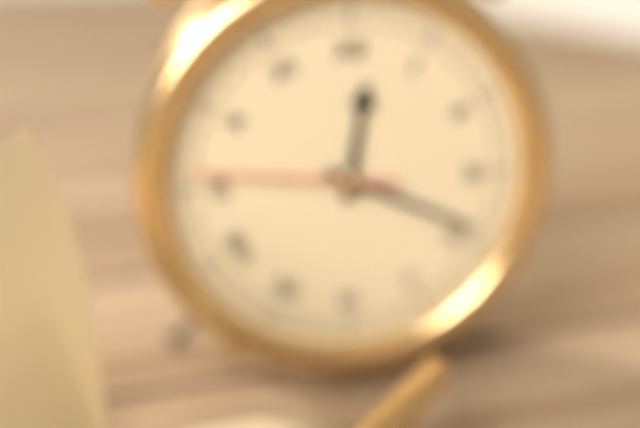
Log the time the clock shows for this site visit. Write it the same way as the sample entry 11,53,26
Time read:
12,19,46
